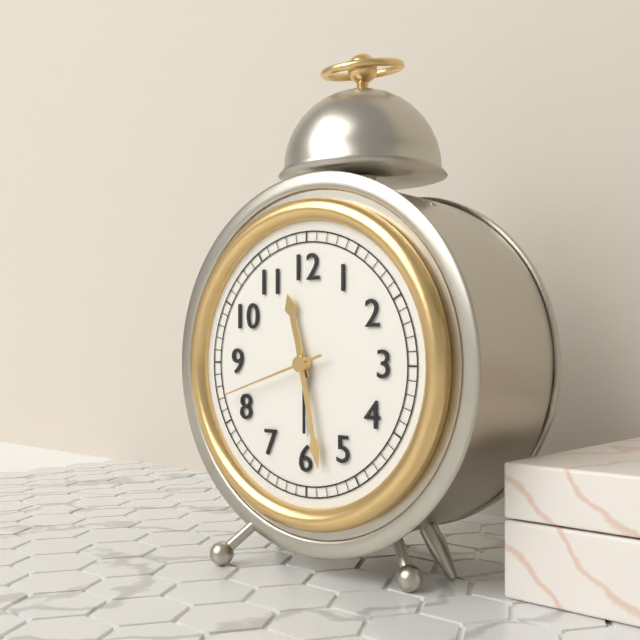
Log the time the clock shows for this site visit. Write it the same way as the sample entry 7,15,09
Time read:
11,28,42
